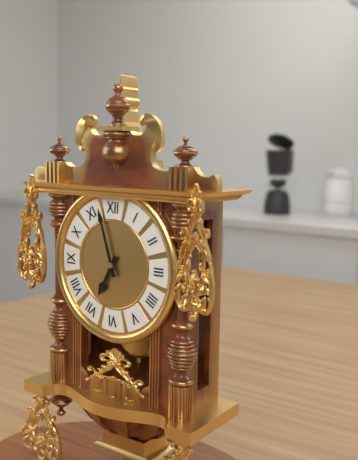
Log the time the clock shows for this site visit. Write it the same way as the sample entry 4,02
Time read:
6,57
